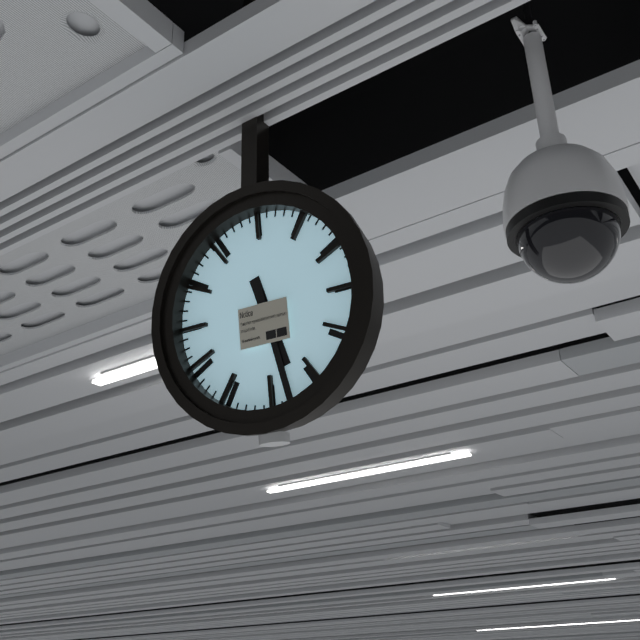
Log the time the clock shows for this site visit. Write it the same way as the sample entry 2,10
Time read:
5,28
